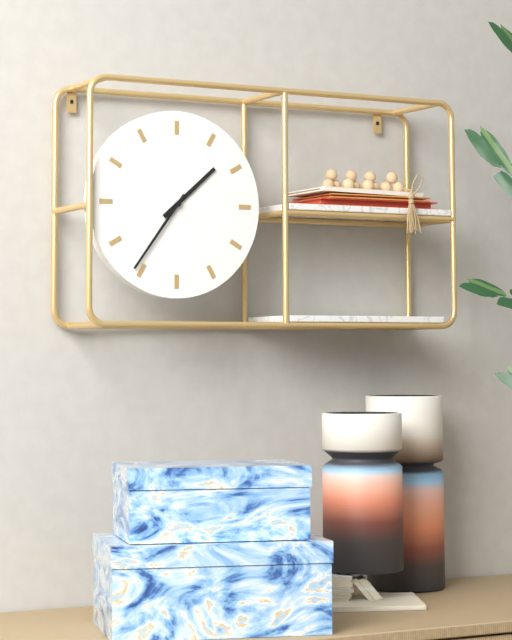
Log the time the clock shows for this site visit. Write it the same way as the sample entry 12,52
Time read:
1,36
